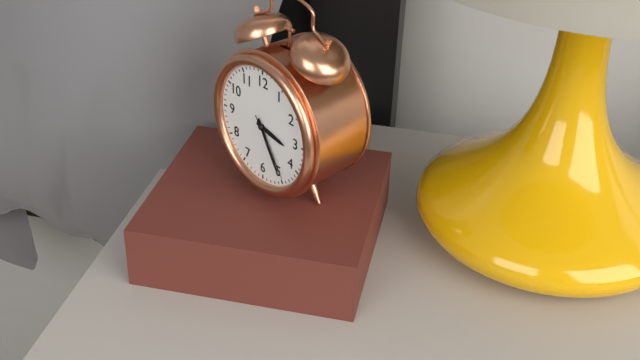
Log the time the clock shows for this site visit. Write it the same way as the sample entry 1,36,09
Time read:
3,25,24
